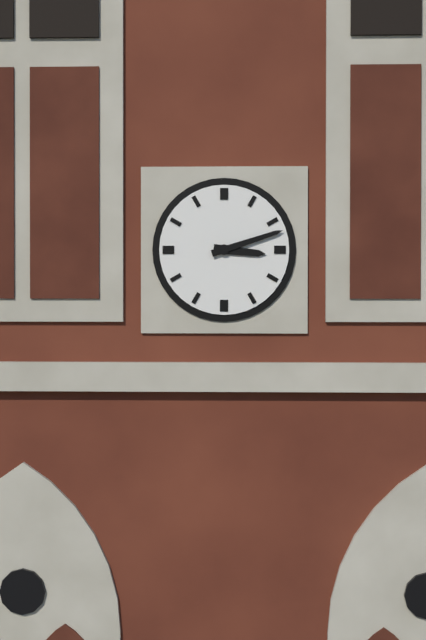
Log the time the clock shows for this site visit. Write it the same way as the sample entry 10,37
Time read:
3,12
